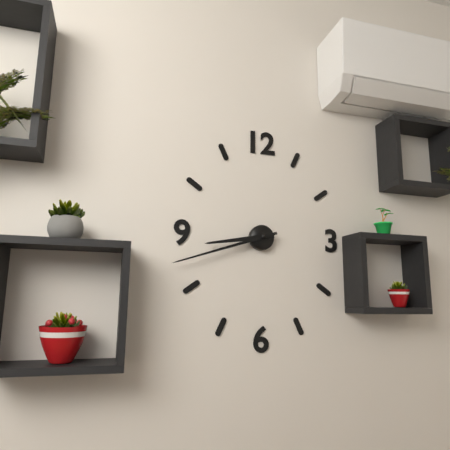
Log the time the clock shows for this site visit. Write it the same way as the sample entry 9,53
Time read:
8,42
